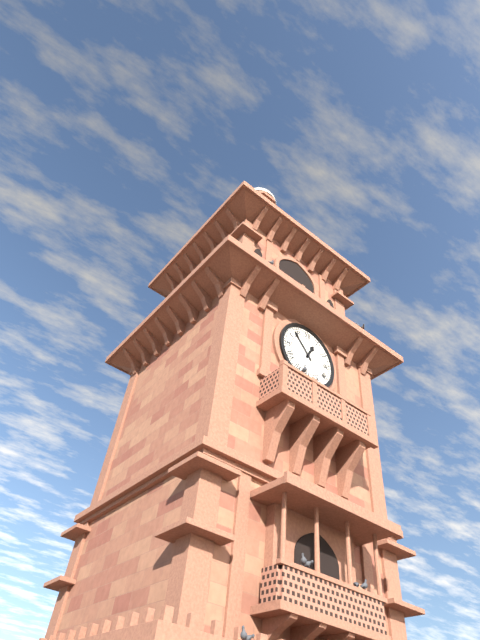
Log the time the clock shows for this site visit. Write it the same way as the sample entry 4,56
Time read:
12,53
